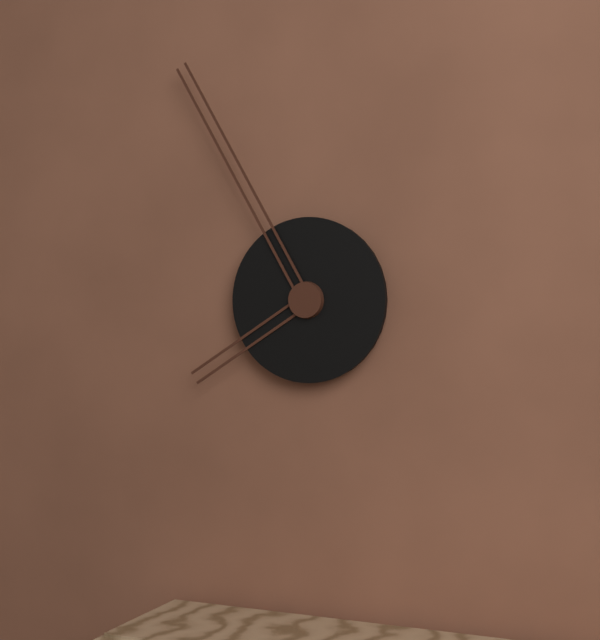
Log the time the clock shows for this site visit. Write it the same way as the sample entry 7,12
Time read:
7,55
